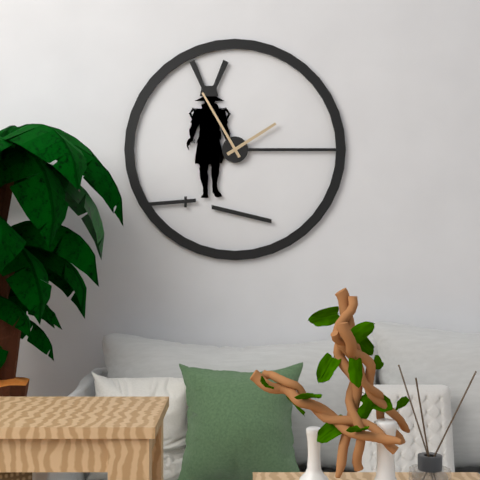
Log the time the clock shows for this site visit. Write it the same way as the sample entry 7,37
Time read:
1,55
